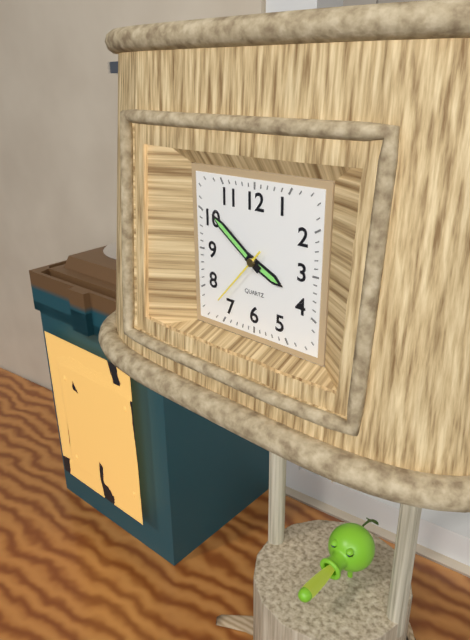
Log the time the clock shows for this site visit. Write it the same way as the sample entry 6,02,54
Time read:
3,51,37
